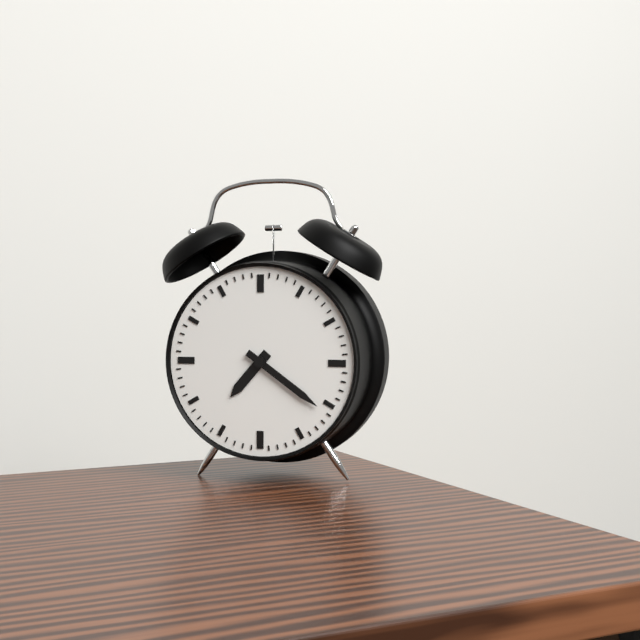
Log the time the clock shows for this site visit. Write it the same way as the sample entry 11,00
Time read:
7,21
